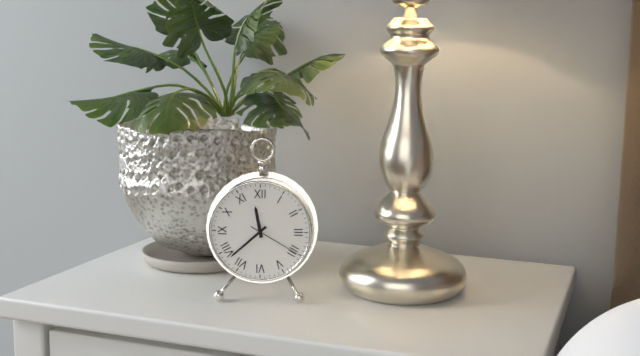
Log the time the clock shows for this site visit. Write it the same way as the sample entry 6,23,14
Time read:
11,38,20
